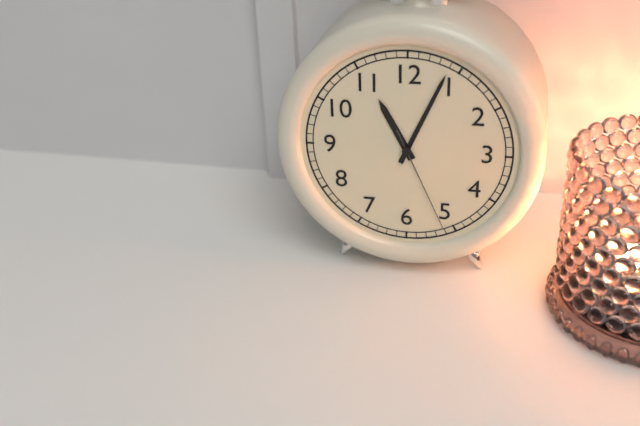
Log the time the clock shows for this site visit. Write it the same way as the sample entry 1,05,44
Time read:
11,04,26
